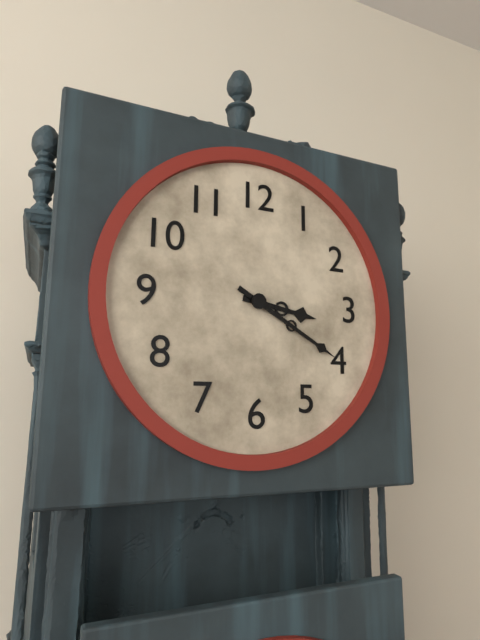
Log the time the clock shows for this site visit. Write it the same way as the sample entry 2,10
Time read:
3,20
